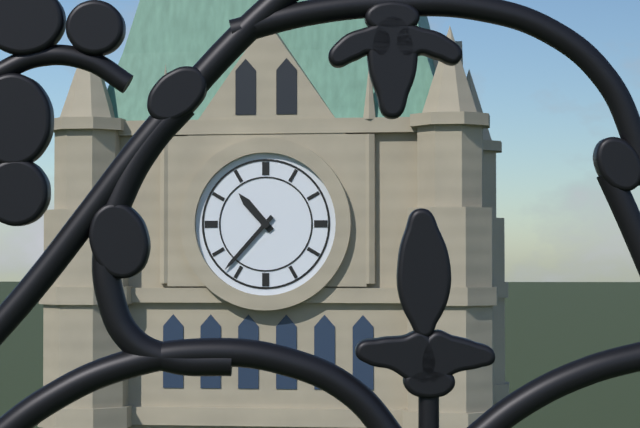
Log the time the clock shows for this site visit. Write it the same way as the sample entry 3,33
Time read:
10,37
